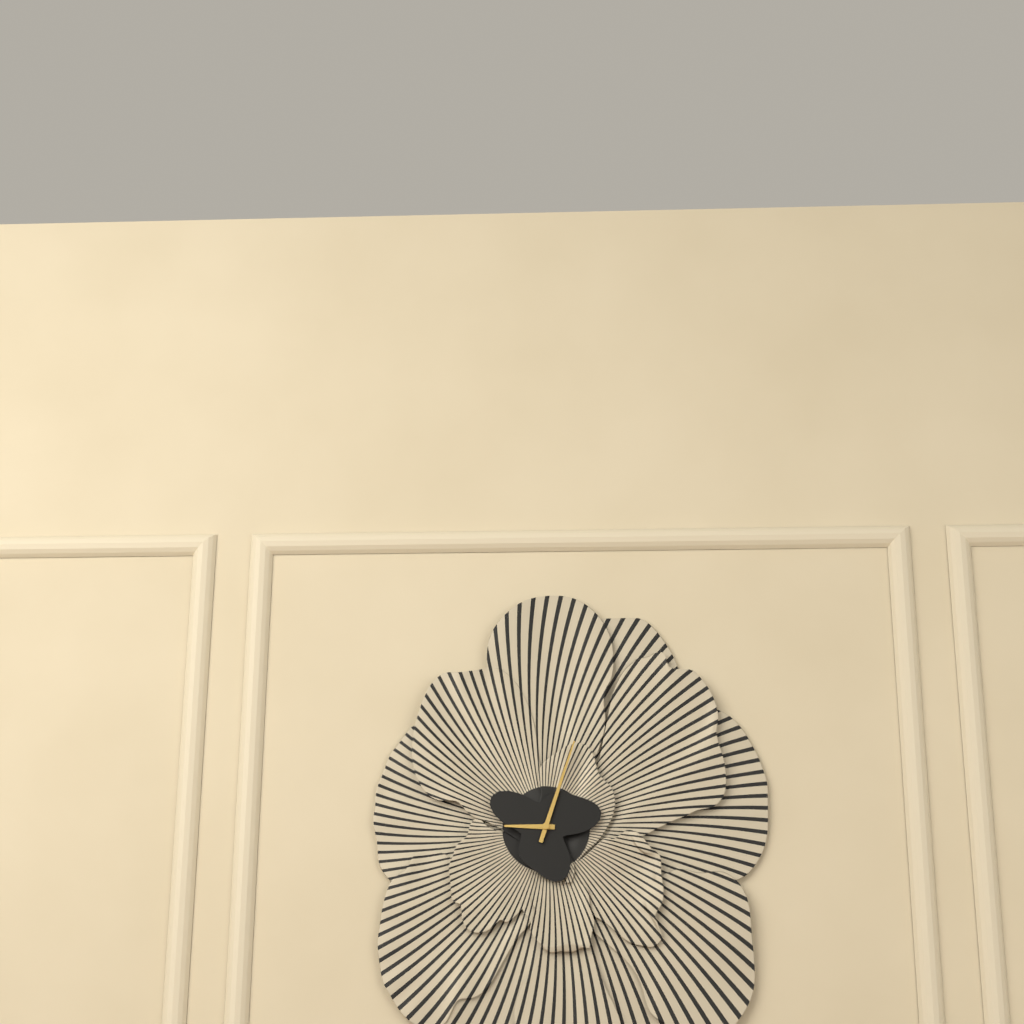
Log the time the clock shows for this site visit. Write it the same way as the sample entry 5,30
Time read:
9,03
